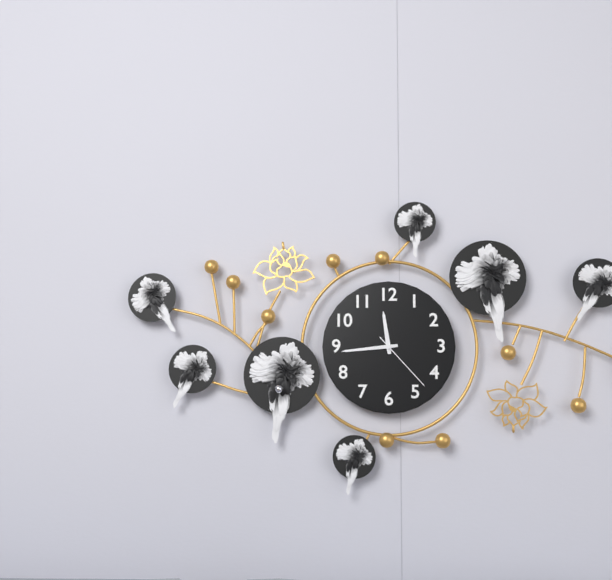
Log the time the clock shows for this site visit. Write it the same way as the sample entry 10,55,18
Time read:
11,44,23
